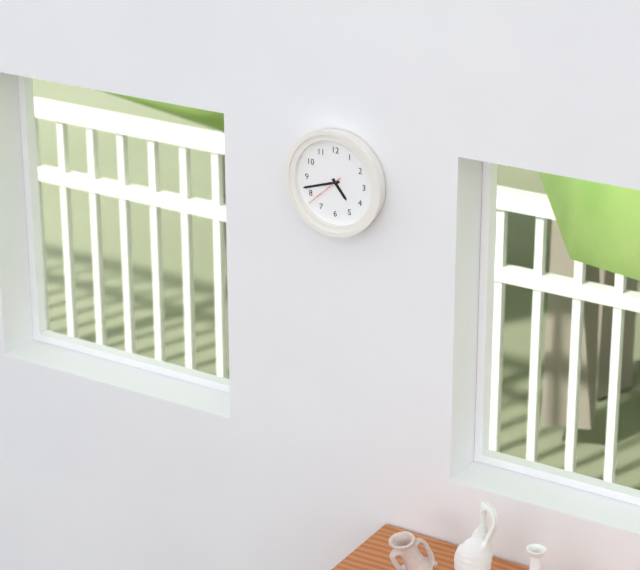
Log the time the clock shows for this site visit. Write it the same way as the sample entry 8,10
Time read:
4,42
